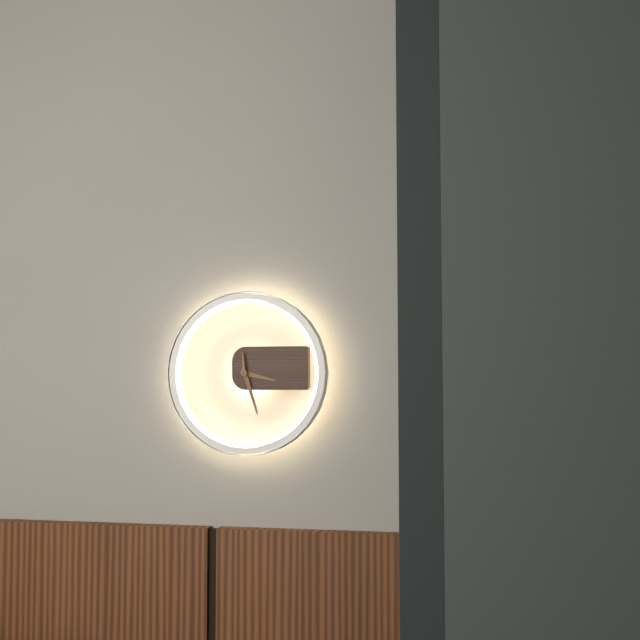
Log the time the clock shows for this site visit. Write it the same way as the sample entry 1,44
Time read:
3,27
